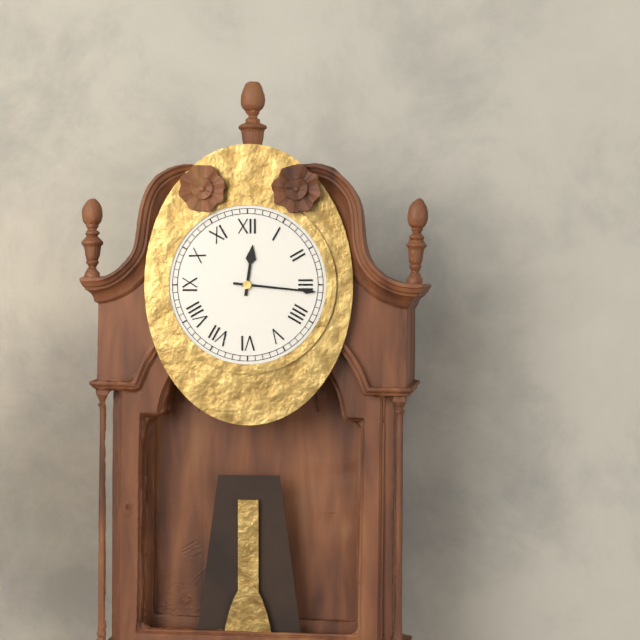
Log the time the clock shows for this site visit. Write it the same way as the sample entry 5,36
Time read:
12,16
